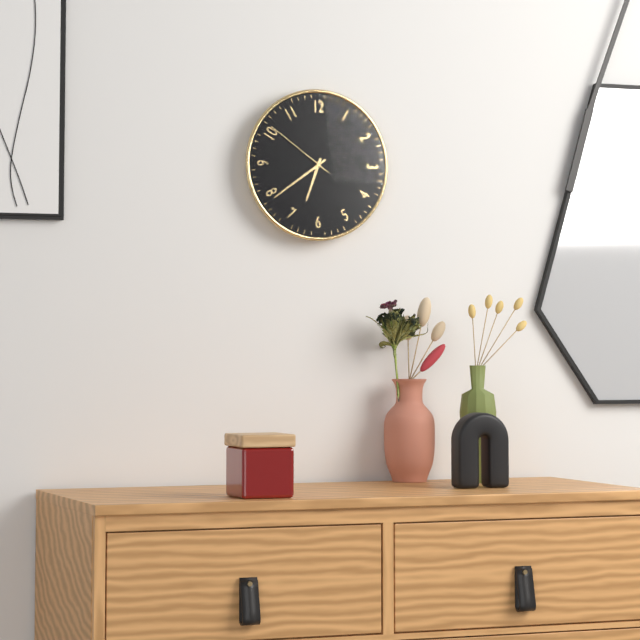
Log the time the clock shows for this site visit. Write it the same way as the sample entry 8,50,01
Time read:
6,39,51
